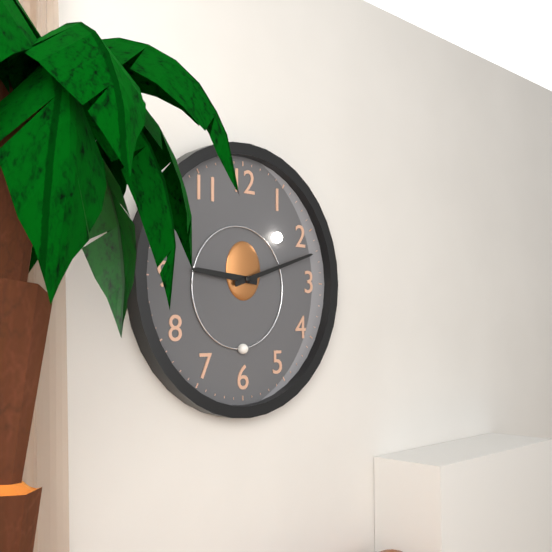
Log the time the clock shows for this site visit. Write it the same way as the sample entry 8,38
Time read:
9,12
